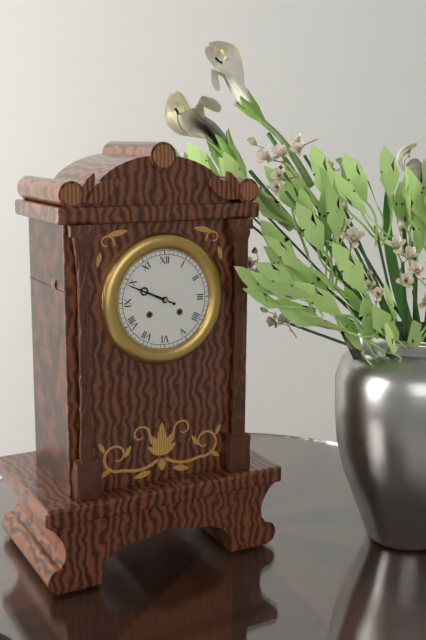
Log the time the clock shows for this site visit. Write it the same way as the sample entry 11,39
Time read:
9,49
